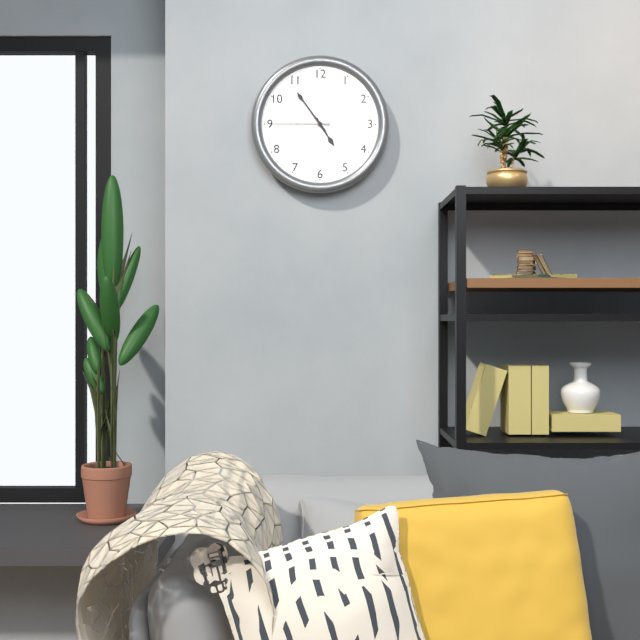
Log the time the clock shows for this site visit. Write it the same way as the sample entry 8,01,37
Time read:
4,54,45
